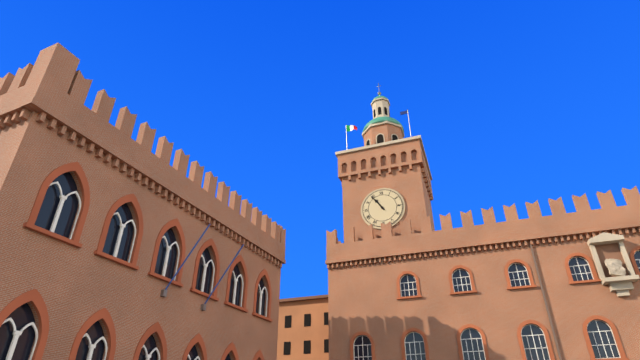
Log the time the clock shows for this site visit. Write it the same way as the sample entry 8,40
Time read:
10,54
